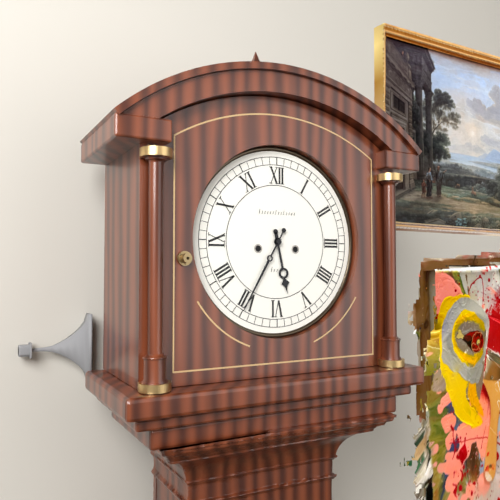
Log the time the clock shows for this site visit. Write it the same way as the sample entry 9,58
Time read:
5,35
